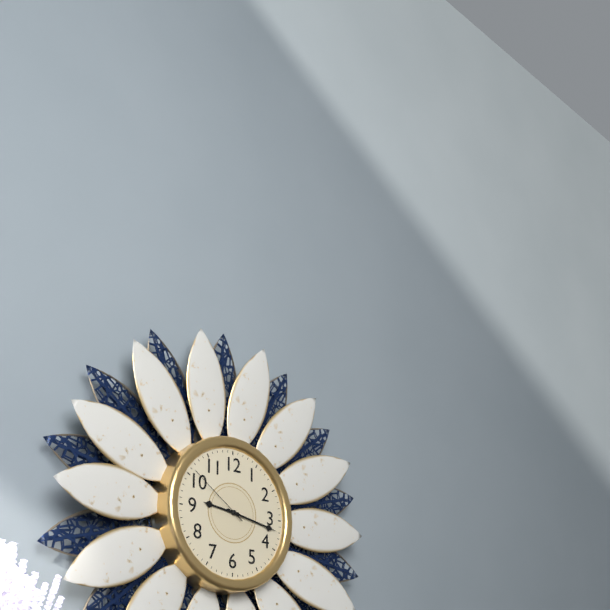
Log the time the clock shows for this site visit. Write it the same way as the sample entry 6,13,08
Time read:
9,17,51
